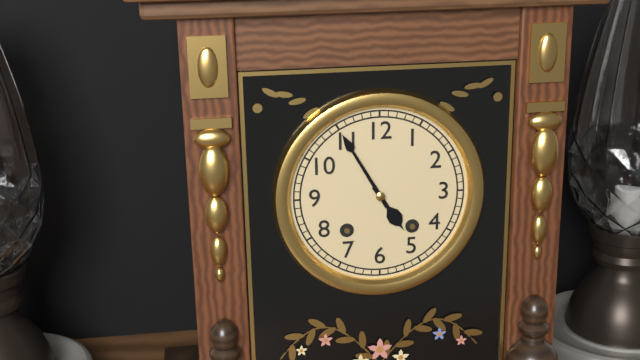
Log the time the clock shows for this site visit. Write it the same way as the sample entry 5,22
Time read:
4,55
